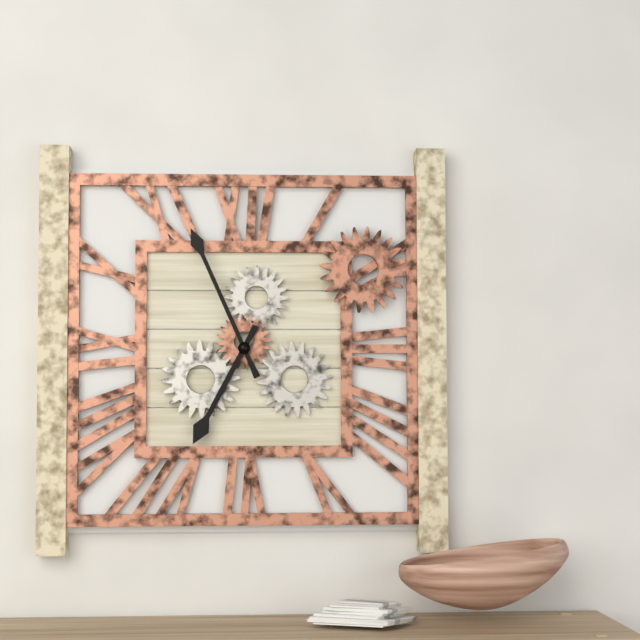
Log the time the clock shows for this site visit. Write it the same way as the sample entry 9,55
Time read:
6,56
